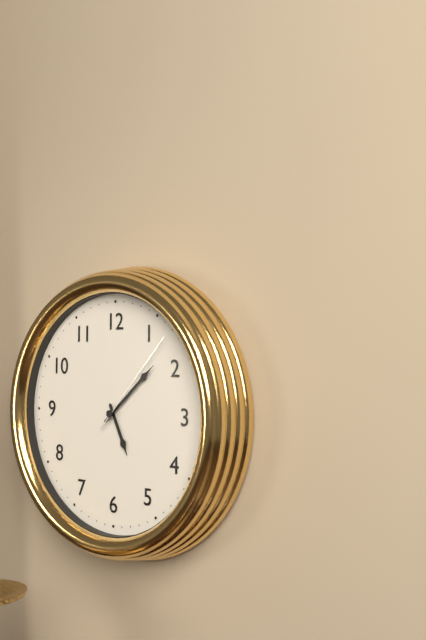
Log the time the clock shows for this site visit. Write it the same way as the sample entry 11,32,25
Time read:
5,08,07
